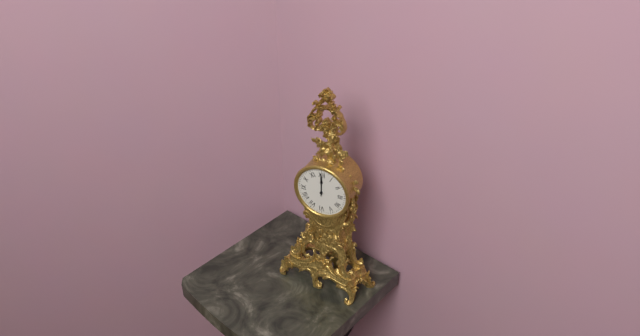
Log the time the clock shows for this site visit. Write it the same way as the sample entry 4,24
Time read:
12,00
